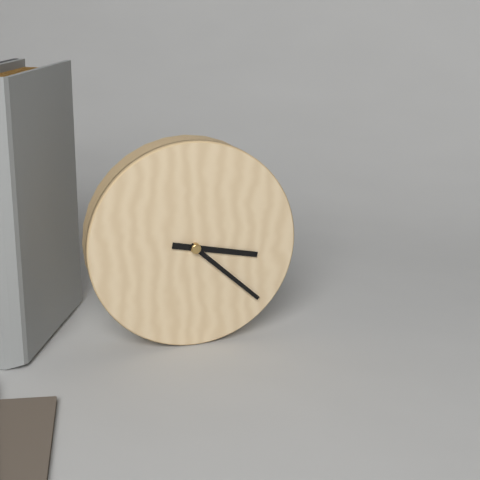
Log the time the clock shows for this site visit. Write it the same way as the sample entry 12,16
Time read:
3,22
